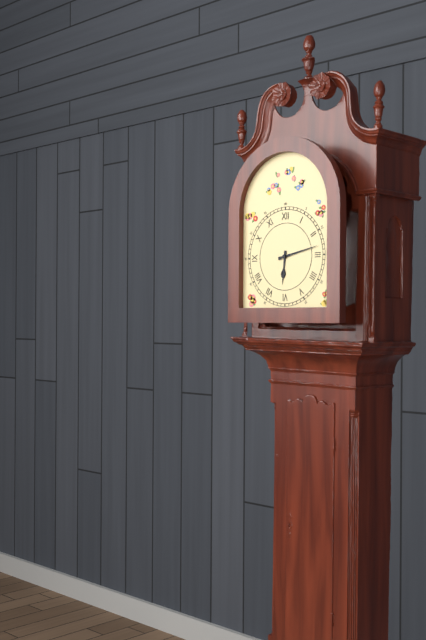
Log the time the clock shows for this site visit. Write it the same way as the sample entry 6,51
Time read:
6,13
